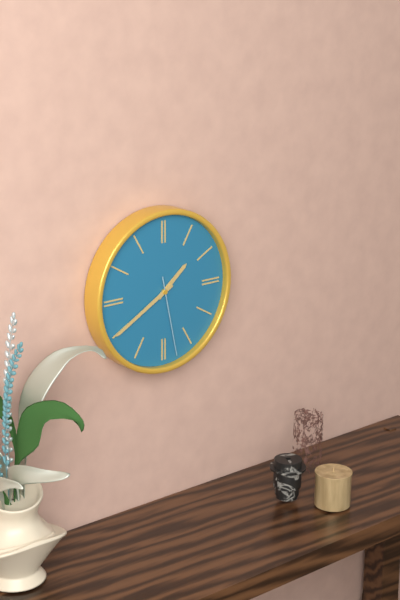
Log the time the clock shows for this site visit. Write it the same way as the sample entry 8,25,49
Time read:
1,40,28
